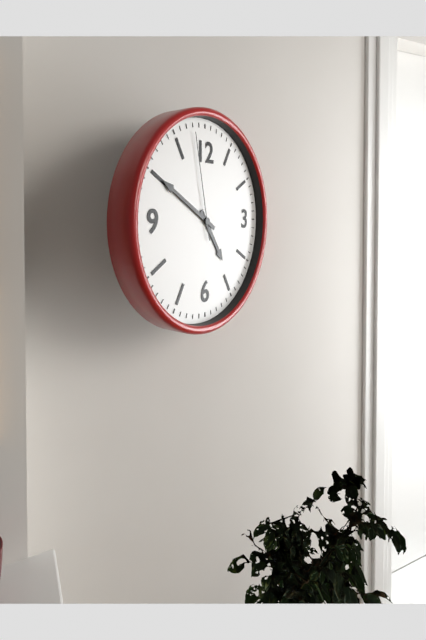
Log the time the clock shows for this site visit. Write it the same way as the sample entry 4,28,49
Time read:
4,50,58
